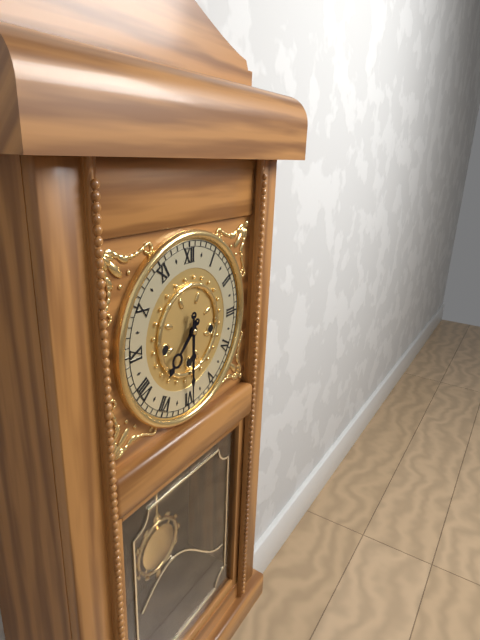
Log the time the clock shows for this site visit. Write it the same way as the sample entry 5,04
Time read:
7,30
